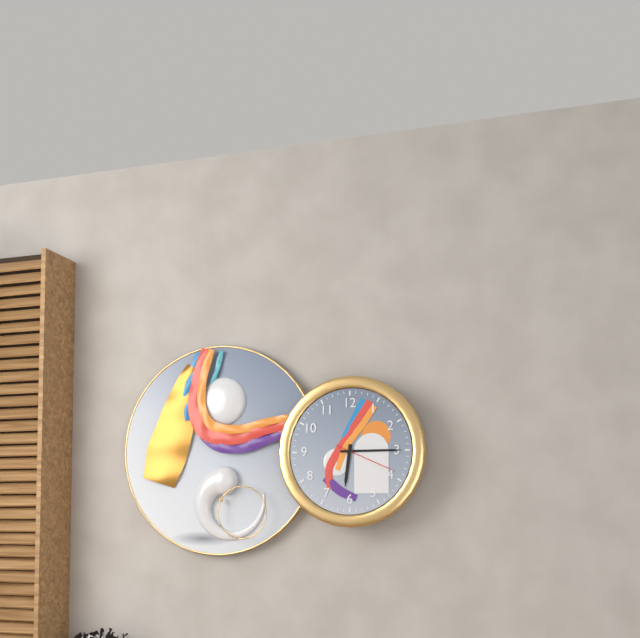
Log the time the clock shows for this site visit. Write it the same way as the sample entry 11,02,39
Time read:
6,15,19
